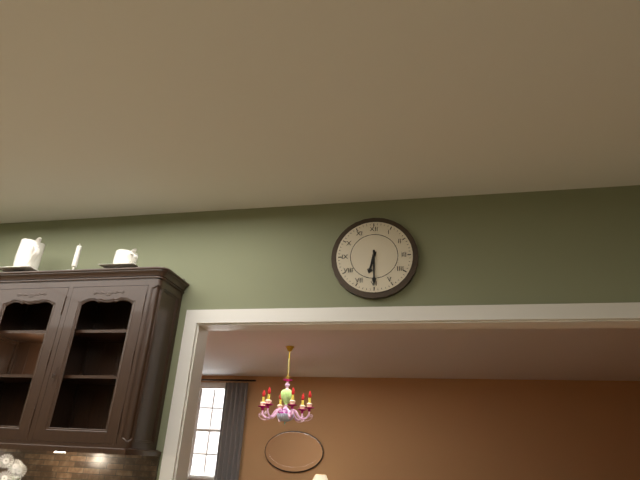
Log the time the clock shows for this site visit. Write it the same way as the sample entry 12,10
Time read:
6,30
